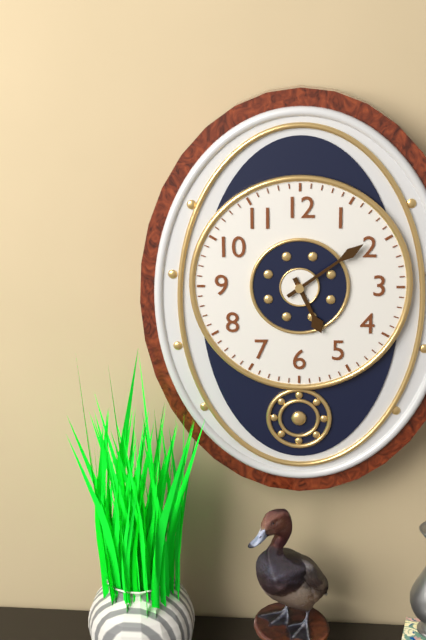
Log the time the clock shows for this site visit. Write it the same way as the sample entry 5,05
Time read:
5,09
